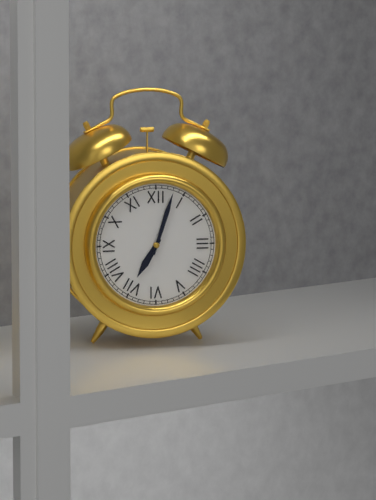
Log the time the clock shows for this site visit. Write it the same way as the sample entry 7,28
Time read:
7,03
